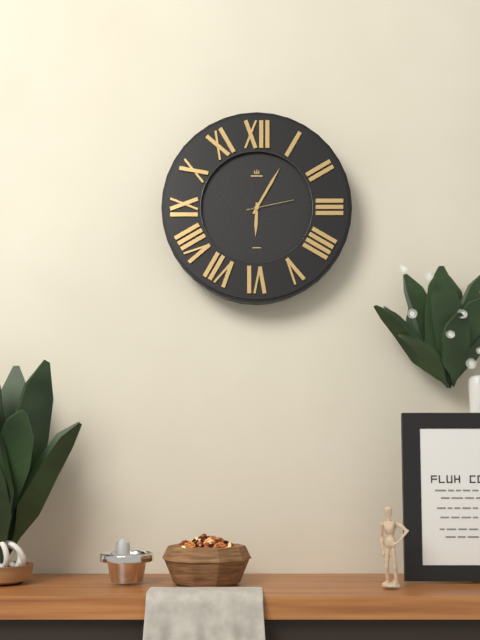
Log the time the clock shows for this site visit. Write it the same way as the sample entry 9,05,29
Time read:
6,05,13
